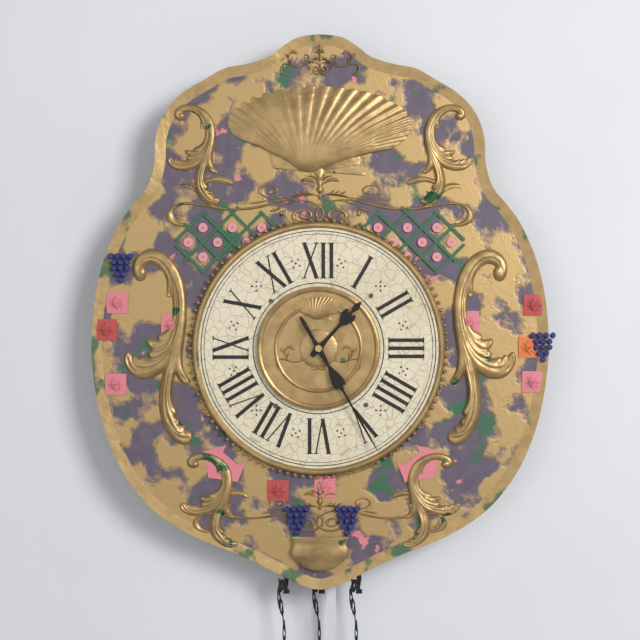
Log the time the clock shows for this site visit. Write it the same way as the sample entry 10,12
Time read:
1,25
